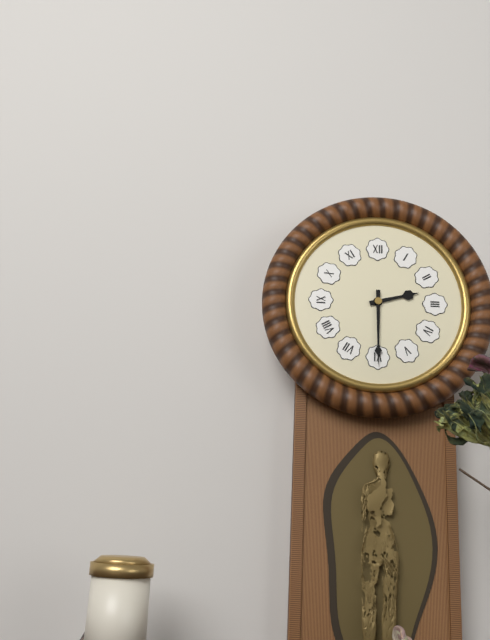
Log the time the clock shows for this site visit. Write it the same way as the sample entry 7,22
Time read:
2,30
